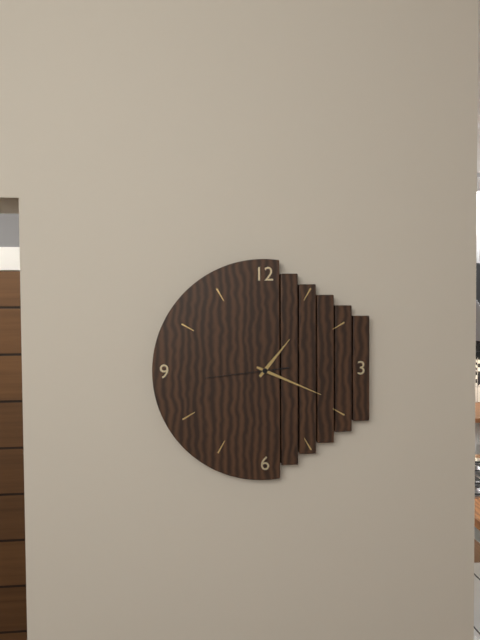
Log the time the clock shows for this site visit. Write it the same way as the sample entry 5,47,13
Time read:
1,19,44
